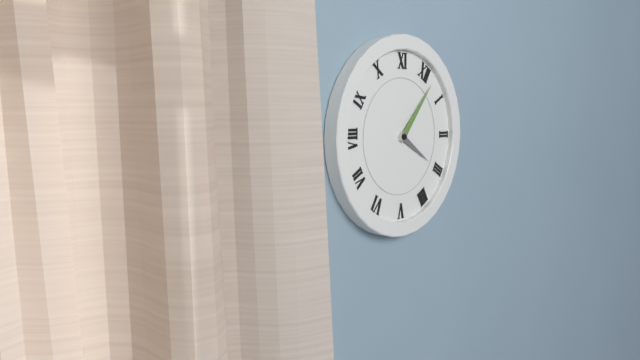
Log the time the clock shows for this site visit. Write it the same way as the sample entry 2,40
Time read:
3,02
